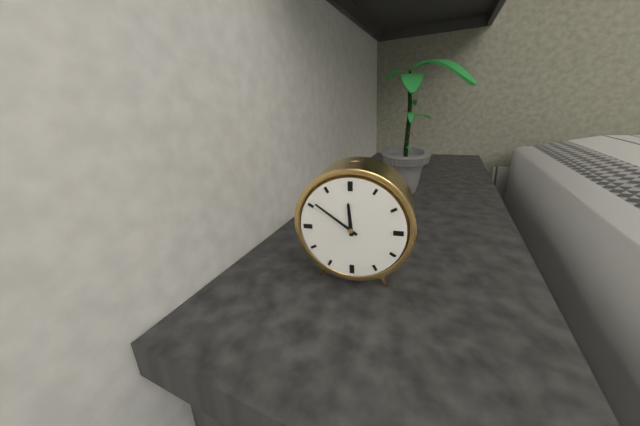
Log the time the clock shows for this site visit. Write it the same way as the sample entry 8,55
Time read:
11,51
